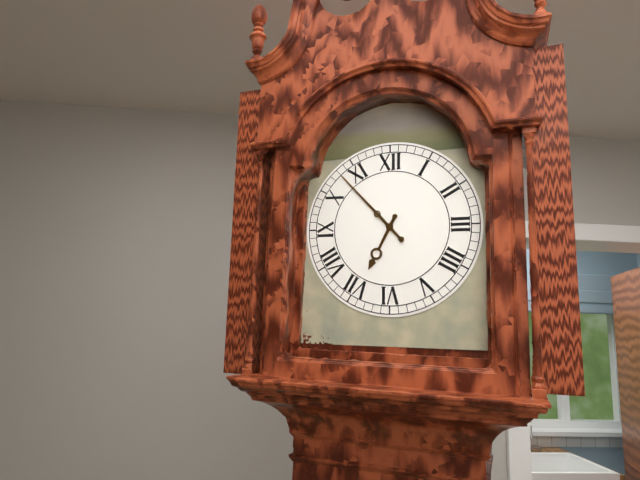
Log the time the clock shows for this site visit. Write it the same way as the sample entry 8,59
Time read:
6,53
